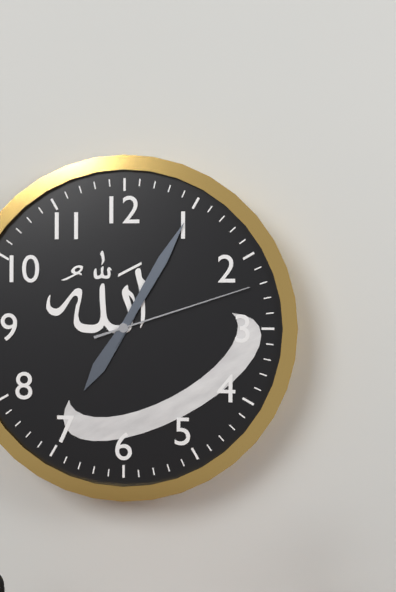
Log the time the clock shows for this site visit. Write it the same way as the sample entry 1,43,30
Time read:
7,05,12
